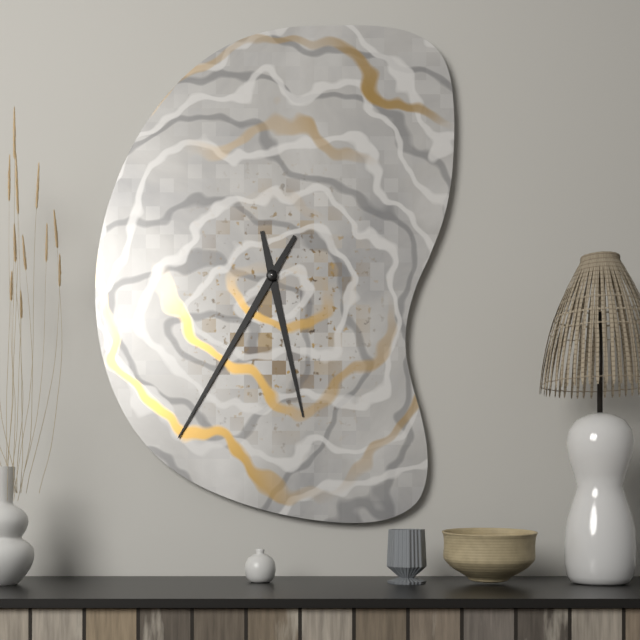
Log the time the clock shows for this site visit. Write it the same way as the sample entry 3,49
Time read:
5,35
